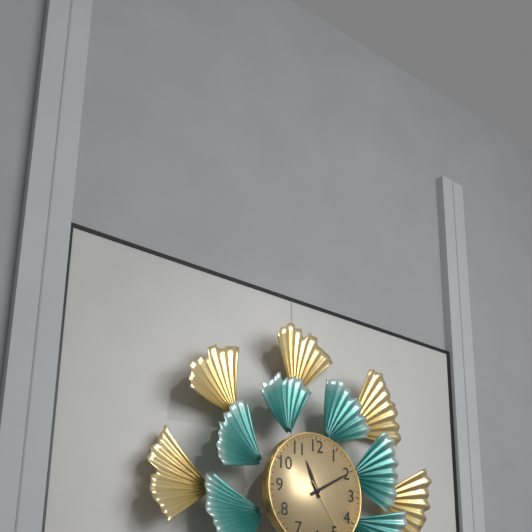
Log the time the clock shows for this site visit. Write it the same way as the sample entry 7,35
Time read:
11,10
